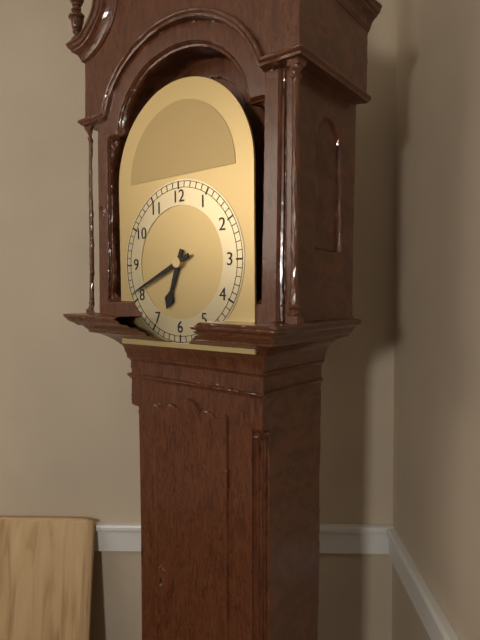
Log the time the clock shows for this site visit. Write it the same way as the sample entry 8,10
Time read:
6,41
